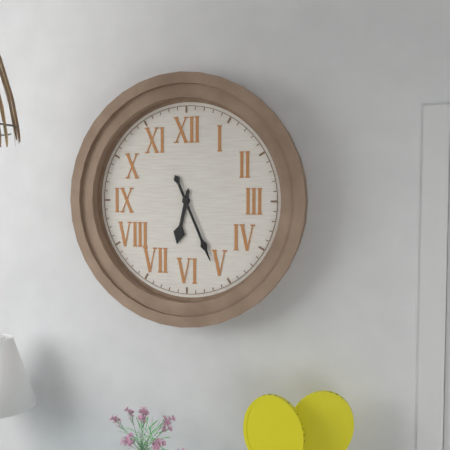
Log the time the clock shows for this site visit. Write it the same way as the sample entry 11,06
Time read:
6,26
